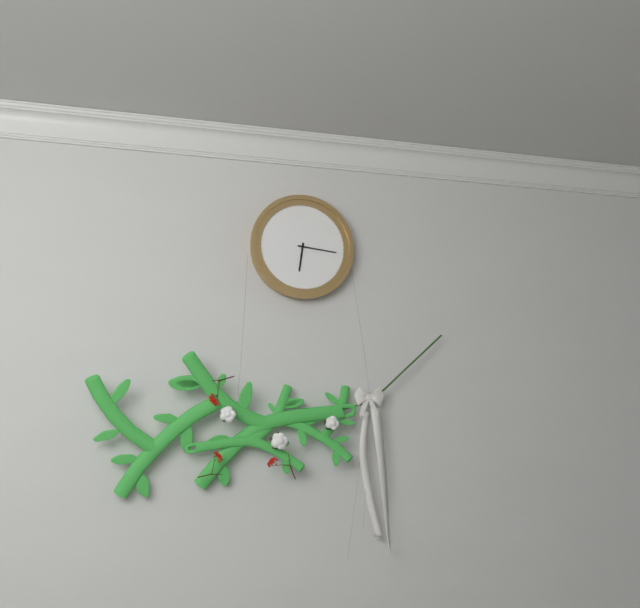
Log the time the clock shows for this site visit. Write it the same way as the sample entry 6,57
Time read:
6,16
